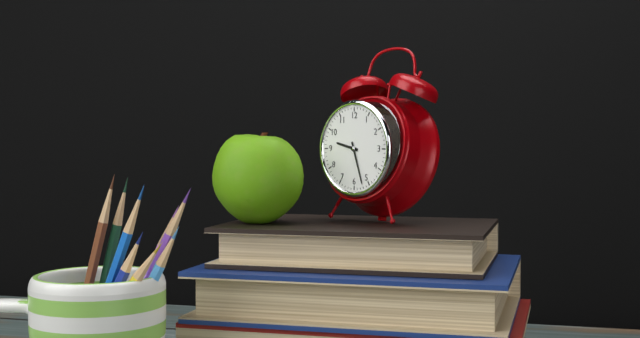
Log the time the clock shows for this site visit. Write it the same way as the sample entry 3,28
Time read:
9,27
